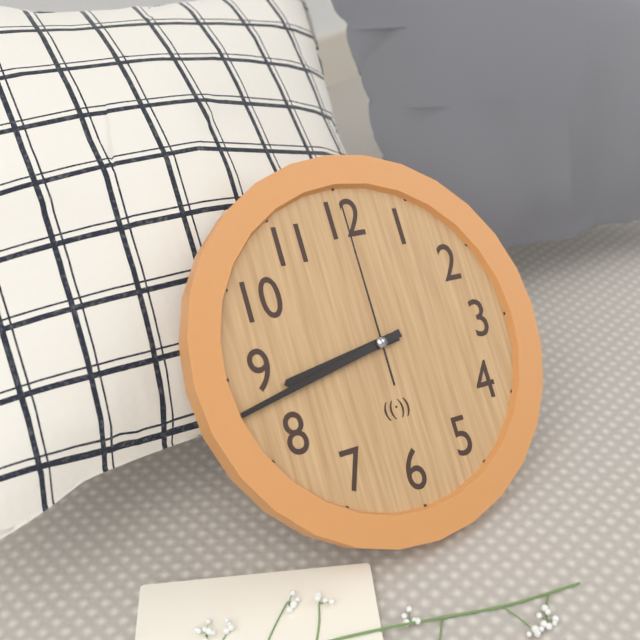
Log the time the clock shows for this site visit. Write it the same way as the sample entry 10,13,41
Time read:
8,43,00
